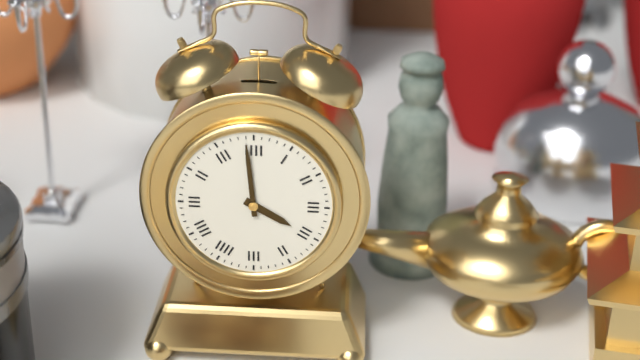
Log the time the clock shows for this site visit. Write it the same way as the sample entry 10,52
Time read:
3,59
